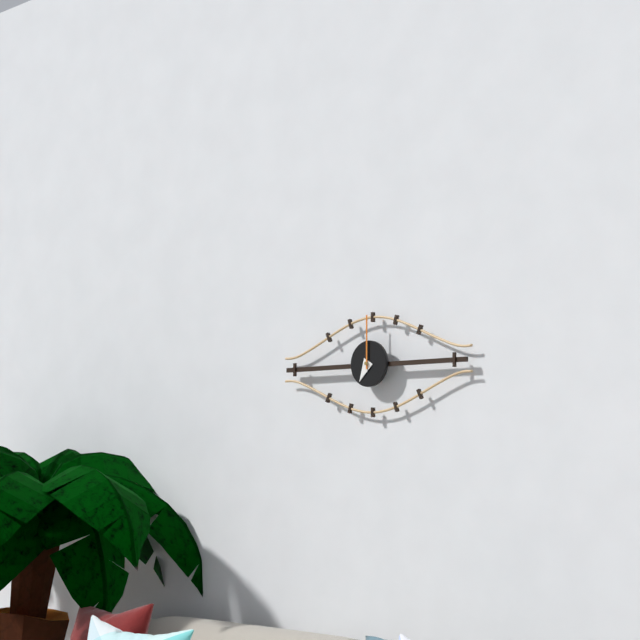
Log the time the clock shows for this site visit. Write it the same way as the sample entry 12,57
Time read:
7,00
